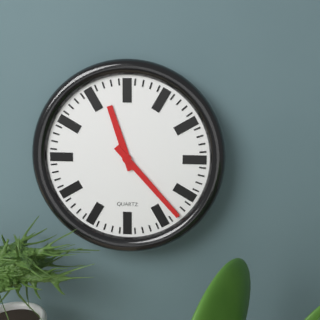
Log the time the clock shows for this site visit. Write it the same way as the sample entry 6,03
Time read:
11,23
